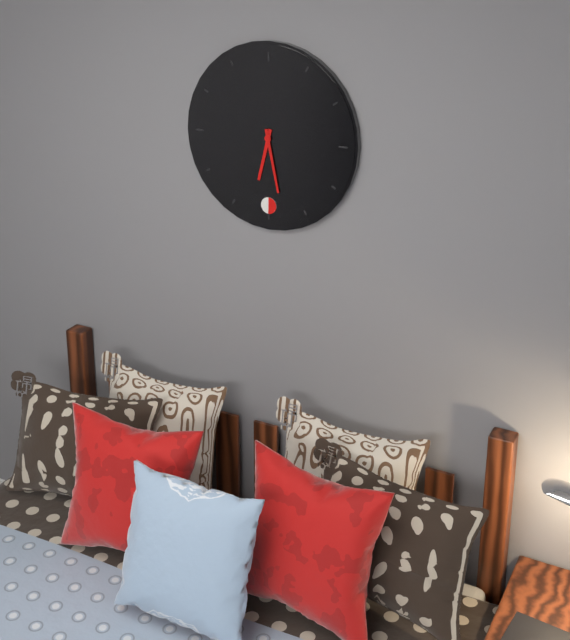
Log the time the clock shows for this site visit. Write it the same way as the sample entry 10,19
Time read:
6,28
